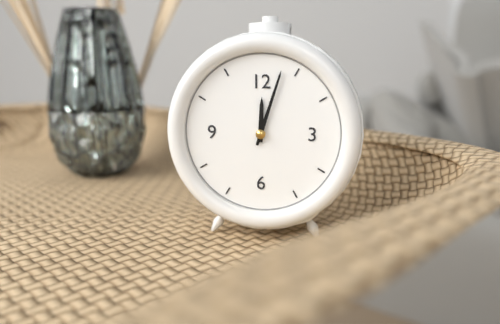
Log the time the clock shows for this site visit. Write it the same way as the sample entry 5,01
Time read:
12,03
